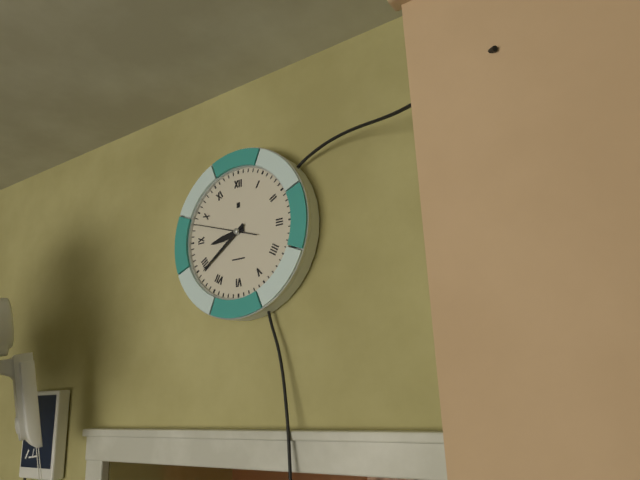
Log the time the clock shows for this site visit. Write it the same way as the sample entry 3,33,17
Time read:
8,39,48
